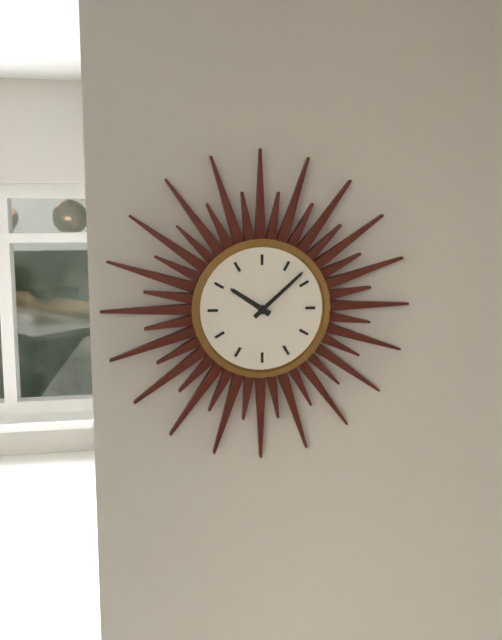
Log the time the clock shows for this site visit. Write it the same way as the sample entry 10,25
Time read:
10,08
